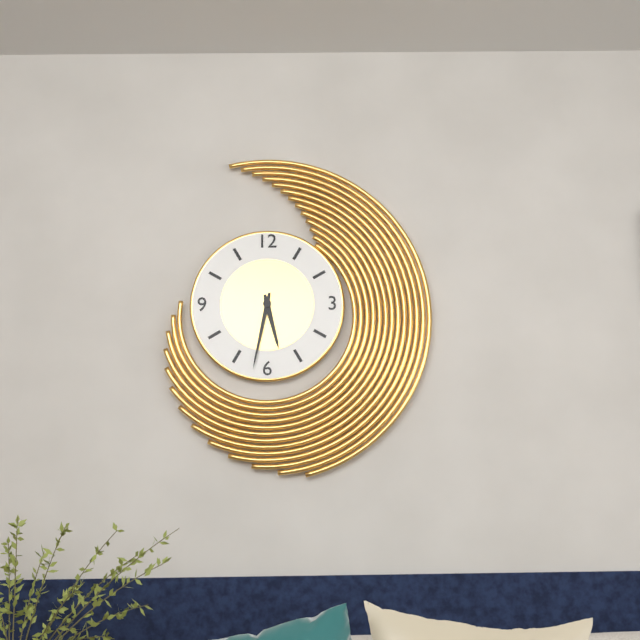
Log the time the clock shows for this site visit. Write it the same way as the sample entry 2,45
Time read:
5,32
